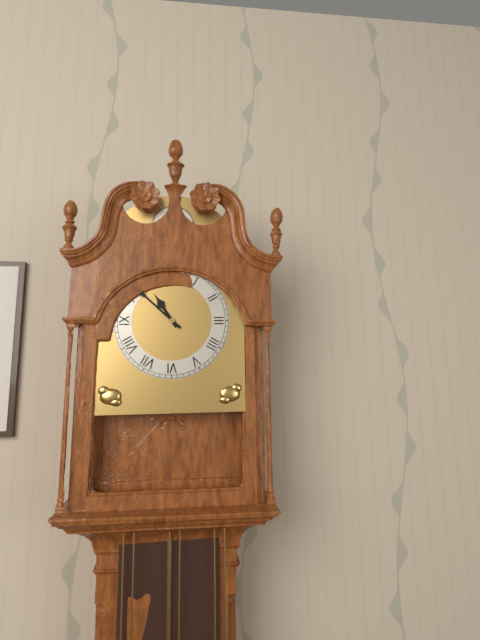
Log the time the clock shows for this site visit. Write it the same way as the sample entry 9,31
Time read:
10,52
